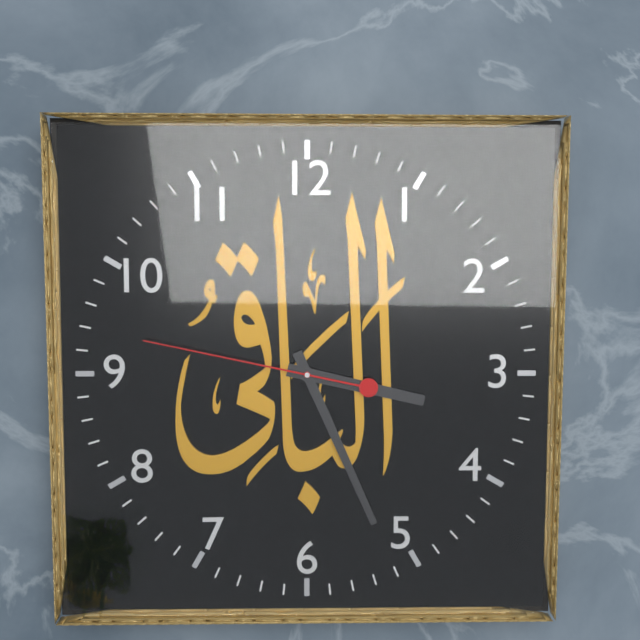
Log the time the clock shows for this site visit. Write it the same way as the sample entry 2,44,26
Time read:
3,26,47
